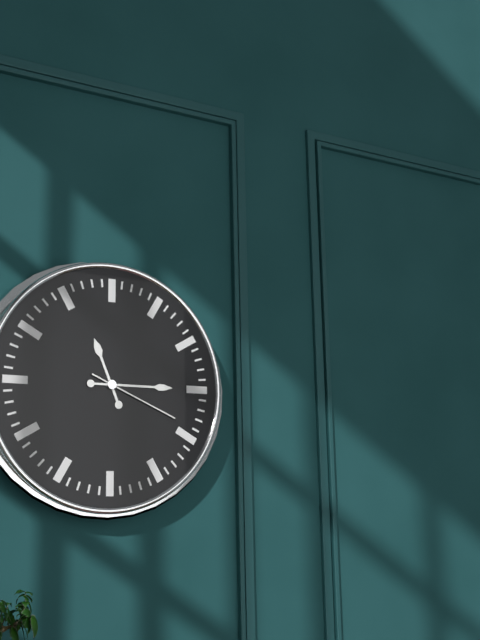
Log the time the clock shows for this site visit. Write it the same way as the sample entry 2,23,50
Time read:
11,15,19
